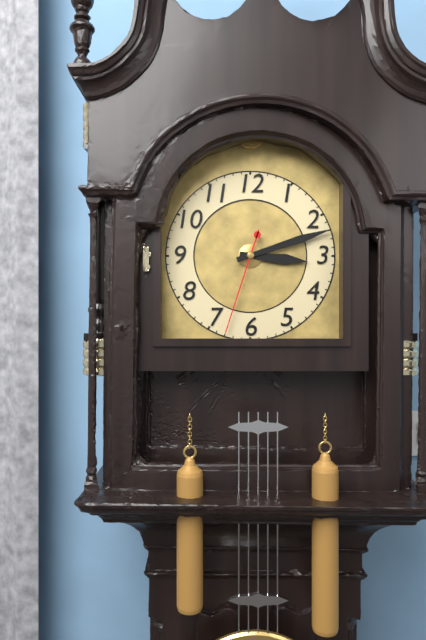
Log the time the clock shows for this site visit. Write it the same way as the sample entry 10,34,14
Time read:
3,12,33
